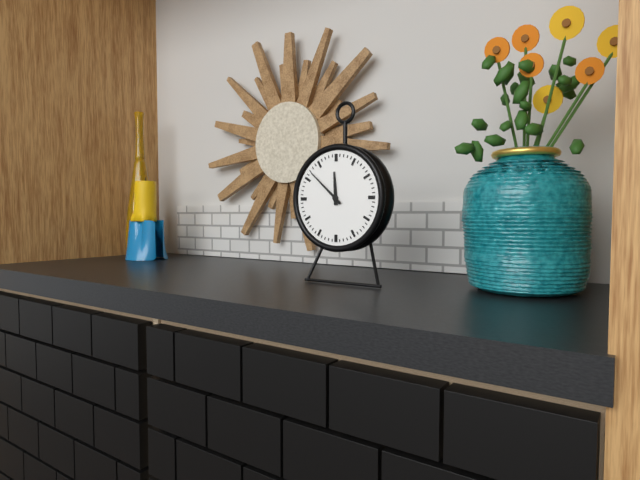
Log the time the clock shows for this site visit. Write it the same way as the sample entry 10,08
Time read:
11,52
